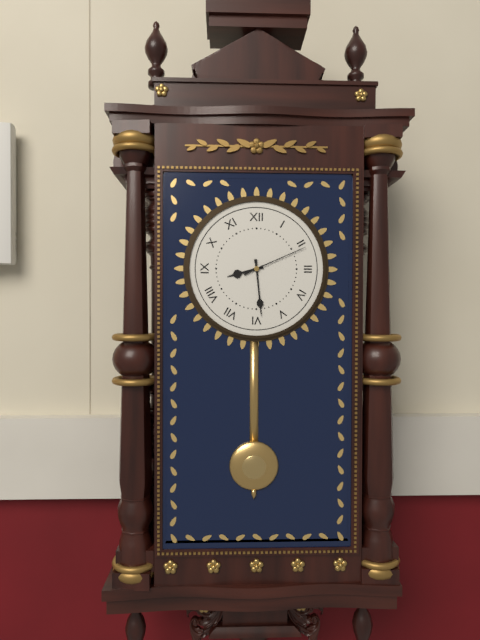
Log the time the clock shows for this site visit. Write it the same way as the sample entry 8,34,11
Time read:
8,29,11
